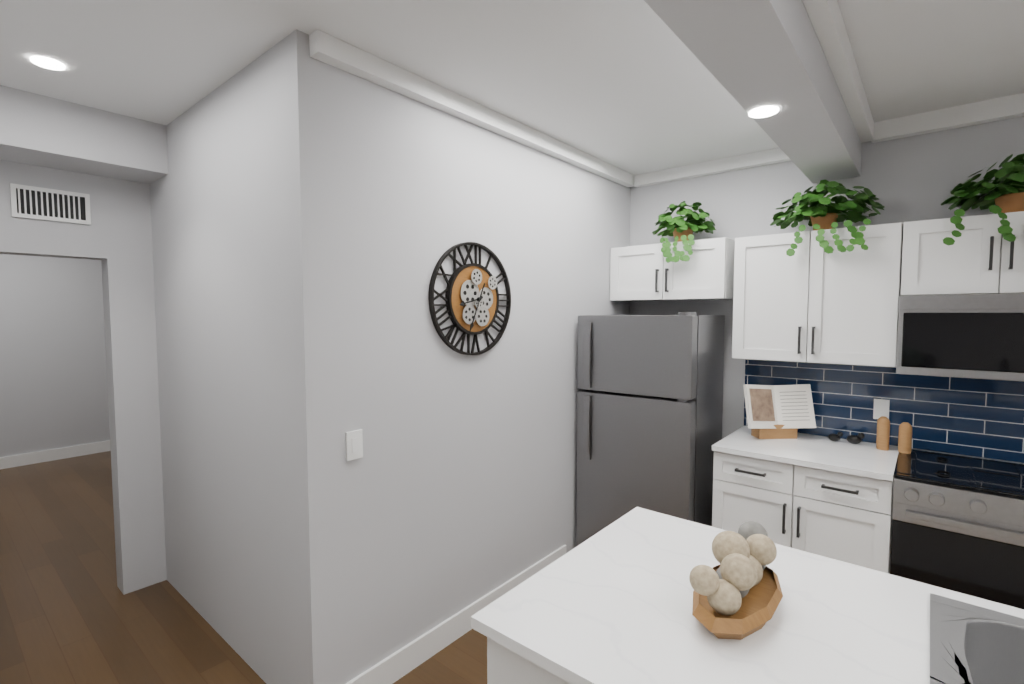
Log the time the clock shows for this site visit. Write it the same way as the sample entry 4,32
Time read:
8,34
